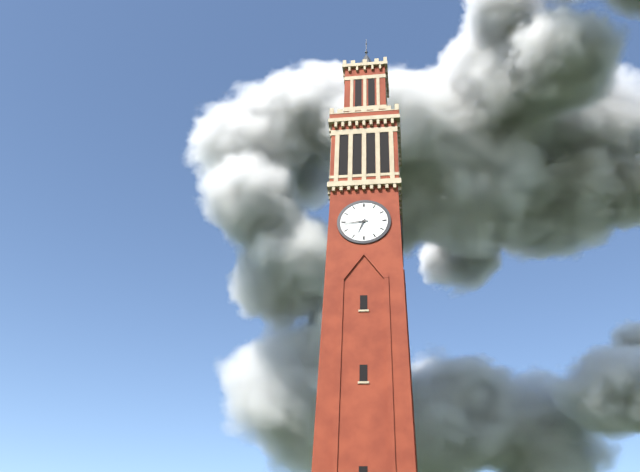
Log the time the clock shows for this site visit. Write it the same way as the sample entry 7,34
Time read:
6,44
